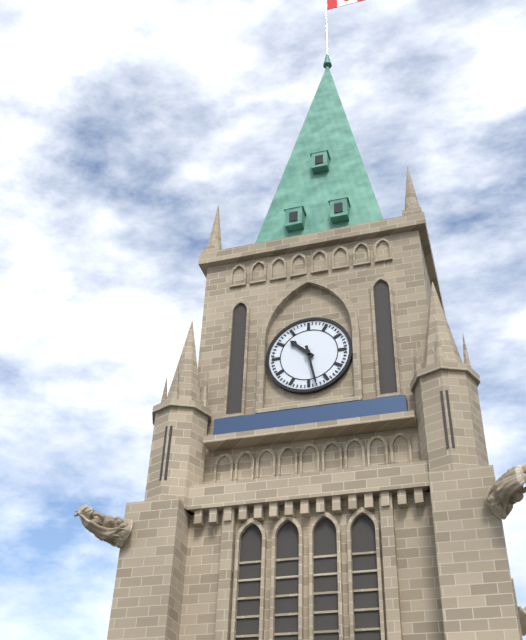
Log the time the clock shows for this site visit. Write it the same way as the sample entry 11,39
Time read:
10,28
